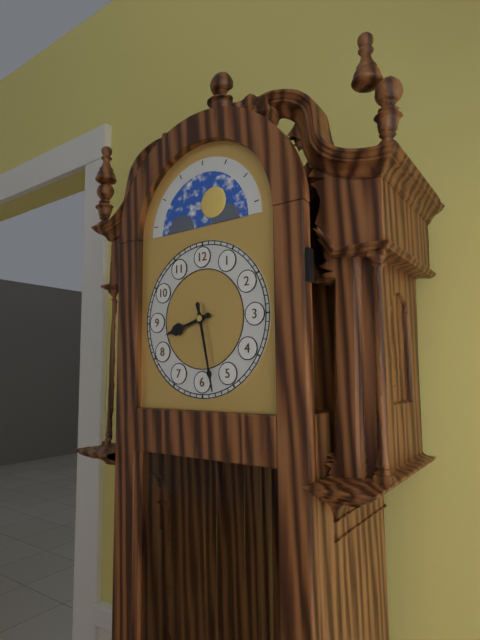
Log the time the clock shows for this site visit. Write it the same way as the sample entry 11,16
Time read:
8,28
